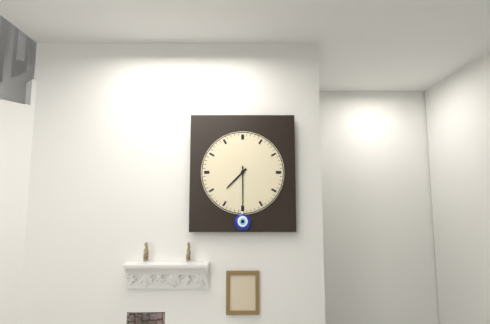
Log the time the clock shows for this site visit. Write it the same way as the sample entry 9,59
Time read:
7,30
